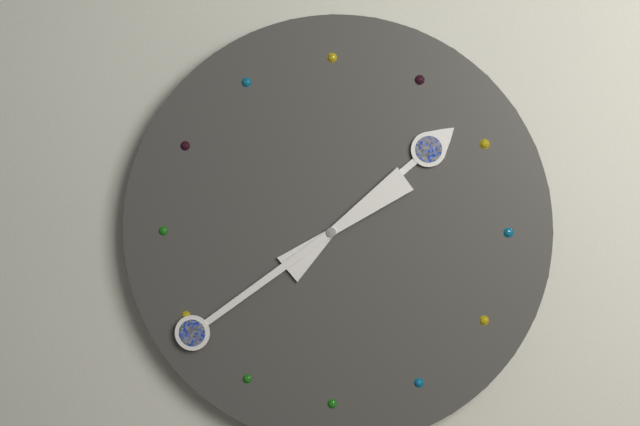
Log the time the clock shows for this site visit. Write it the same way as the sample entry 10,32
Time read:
1,39
